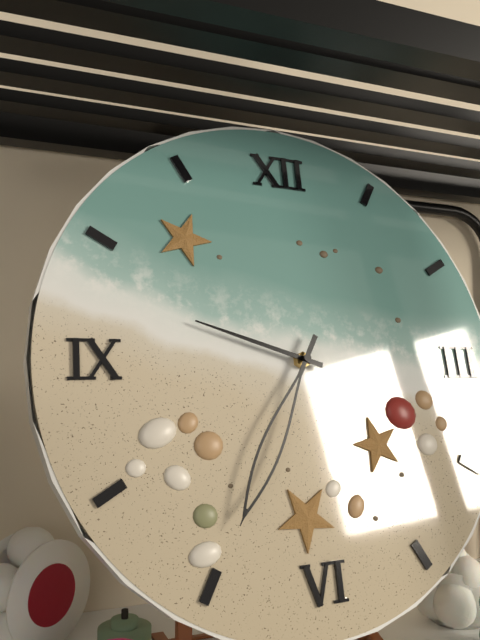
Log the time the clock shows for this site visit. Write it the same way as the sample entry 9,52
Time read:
9,35
